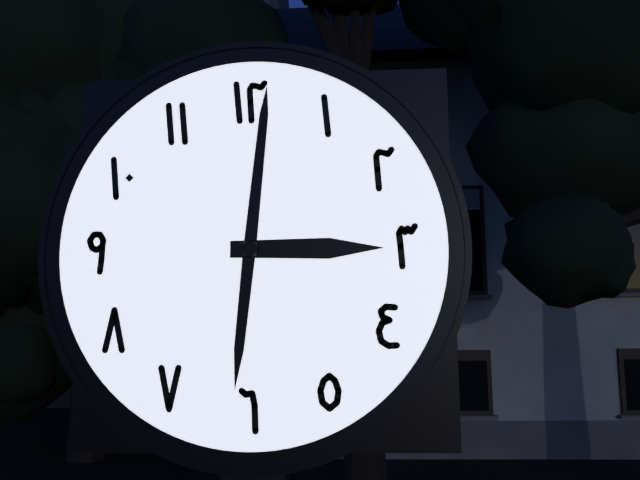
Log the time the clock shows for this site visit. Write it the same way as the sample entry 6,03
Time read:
3,01
